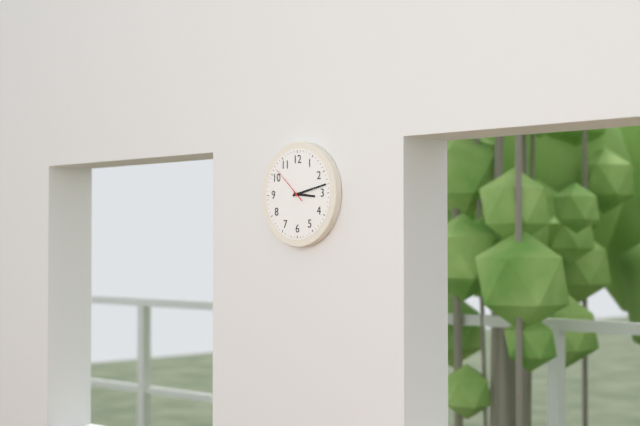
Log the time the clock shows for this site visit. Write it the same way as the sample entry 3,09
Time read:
3,13
